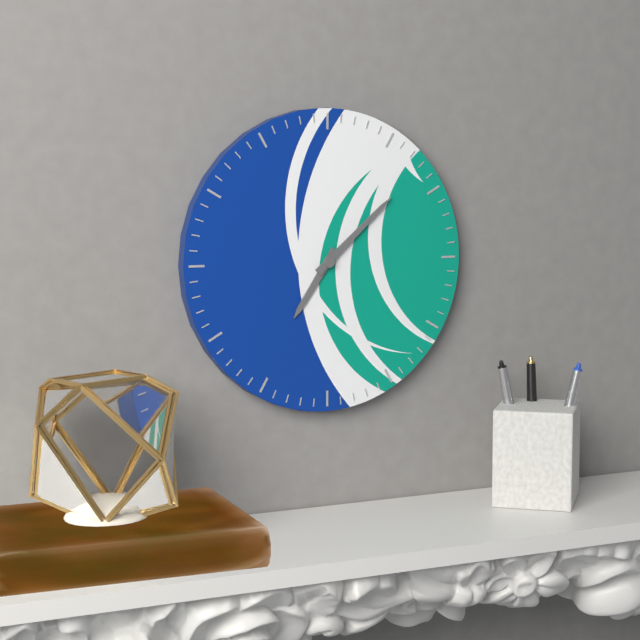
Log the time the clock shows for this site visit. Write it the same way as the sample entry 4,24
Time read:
7,08
